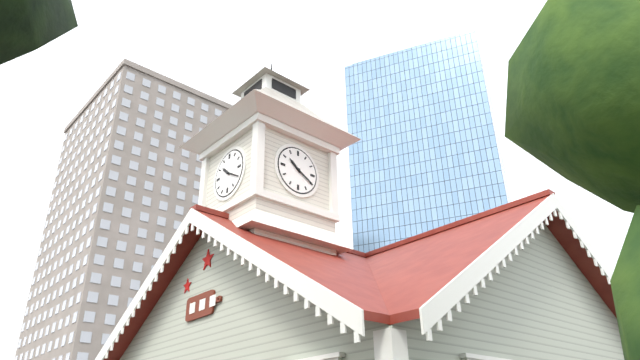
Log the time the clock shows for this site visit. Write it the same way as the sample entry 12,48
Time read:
10,20
